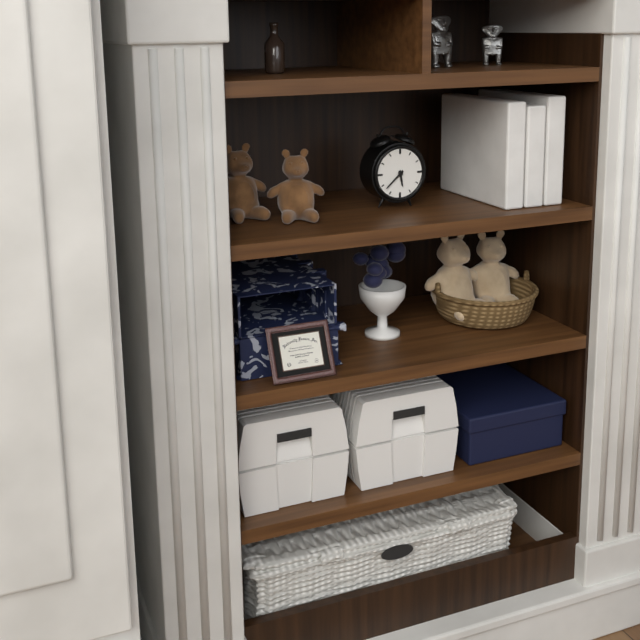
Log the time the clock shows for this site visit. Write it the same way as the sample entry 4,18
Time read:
5,38
